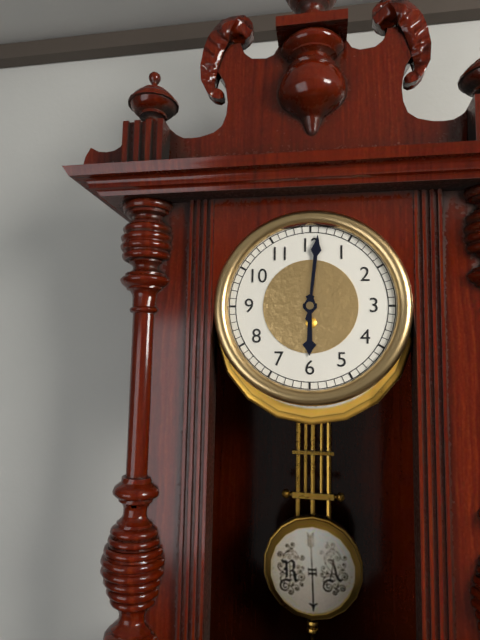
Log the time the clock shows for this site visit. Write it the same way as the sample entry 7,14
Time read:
6,01
